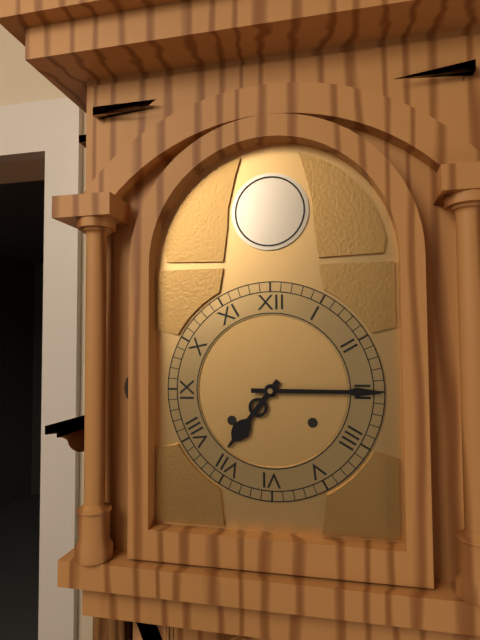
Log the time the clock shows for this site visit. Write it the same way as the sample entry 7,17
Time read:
7,15
